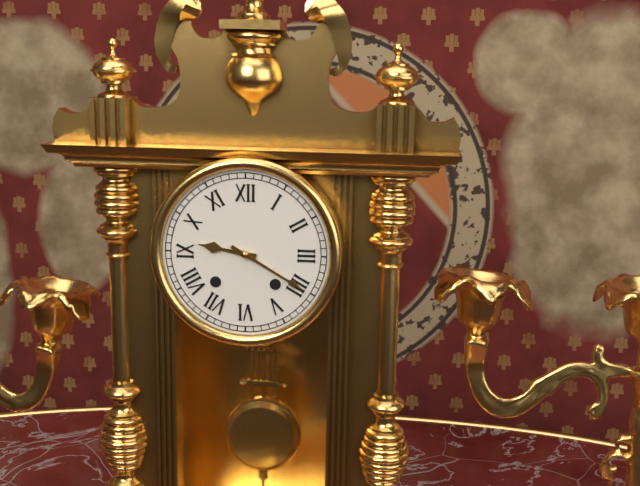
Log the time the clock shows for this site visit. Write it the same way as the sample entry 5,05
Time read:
9,20
